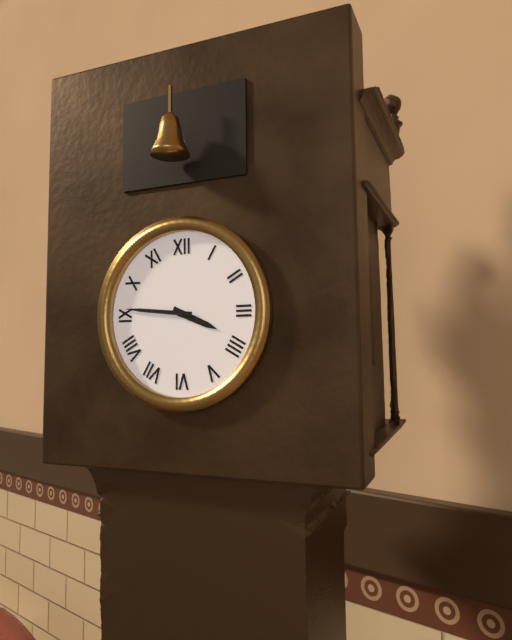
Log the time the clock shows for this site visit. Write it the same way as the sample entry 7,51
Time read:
3,46
